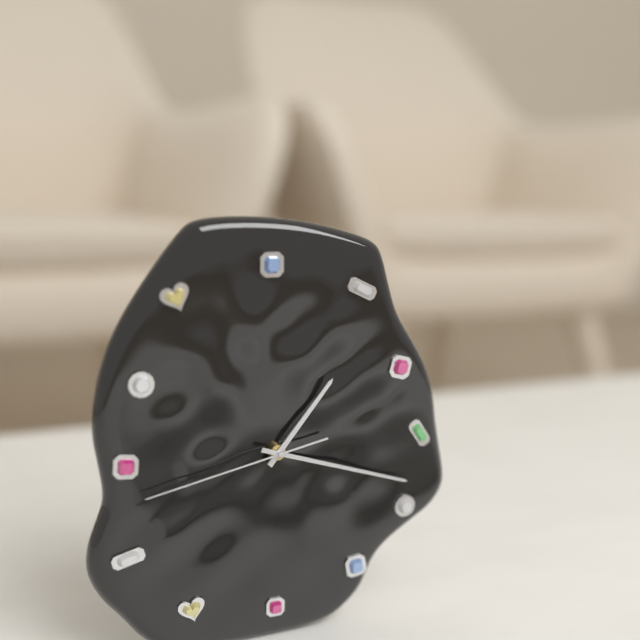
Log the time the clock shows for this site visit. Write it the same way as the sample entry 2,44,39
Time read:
1,18,43
